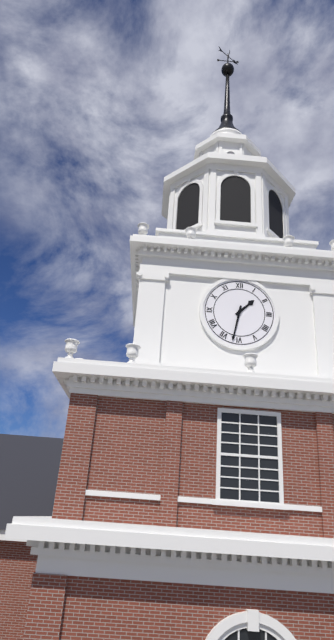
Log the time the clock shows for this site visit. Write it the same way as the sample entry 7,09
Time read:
1,32
